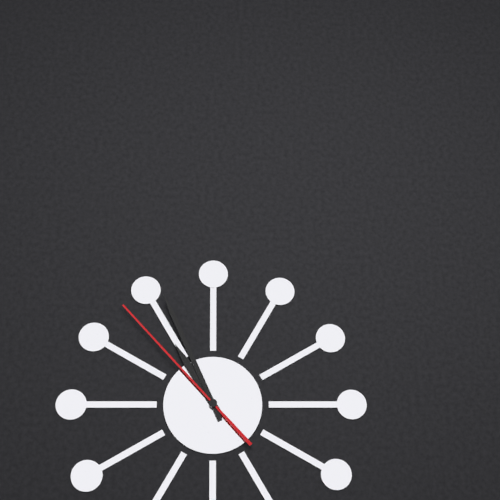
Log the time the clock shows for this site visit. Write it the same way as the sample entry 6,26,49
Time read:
10,56,53
